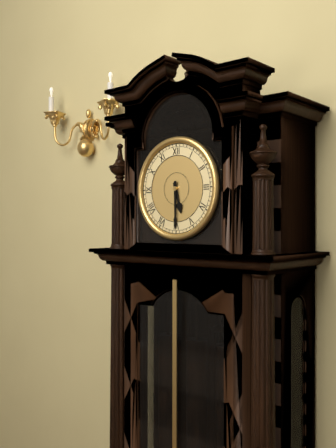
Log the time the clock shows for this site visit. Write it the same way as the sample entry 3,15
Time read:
5,30
